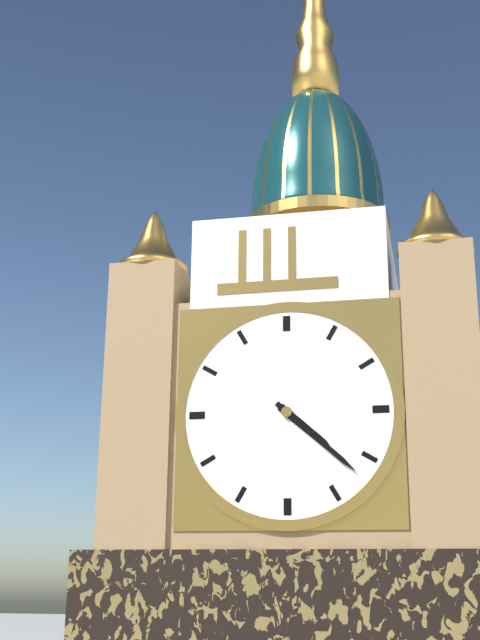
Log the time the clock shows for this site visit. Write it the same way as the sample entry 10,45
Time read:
4,22
